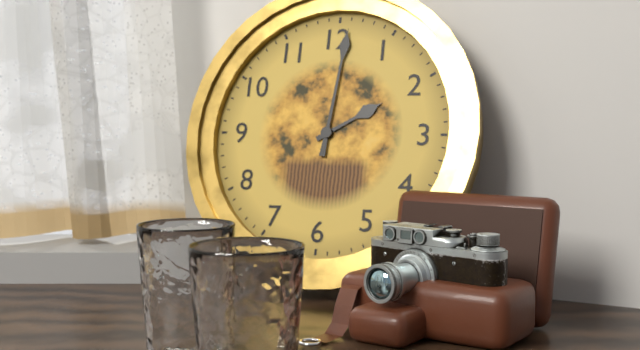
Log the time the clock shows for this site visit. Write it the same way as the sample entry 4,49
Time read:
2,01
